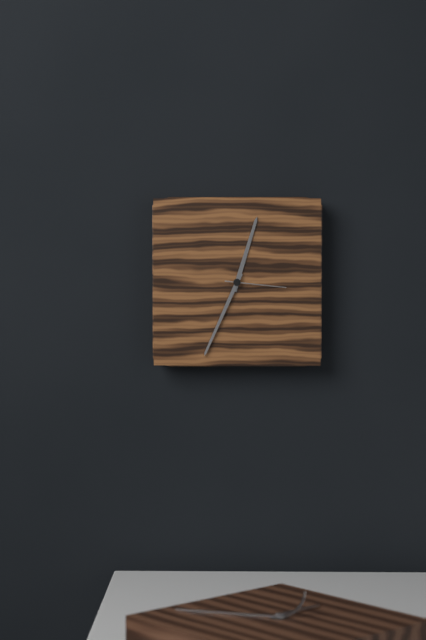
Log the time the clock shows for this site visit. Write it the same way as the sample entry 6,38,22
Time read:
12,34,16
